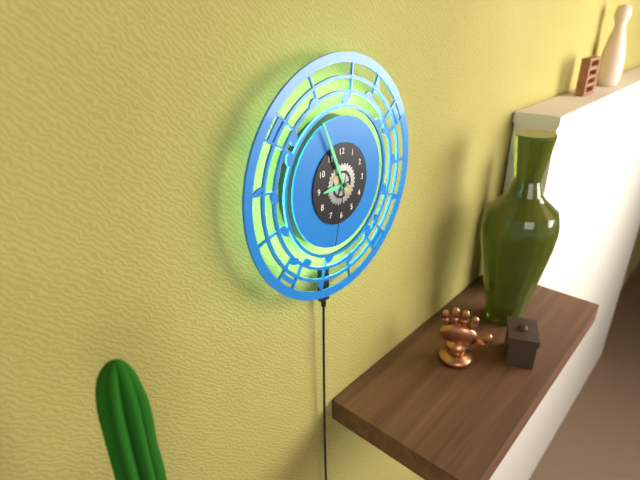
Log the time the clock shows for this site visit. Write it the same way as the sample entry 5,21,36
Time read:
8,56,32
